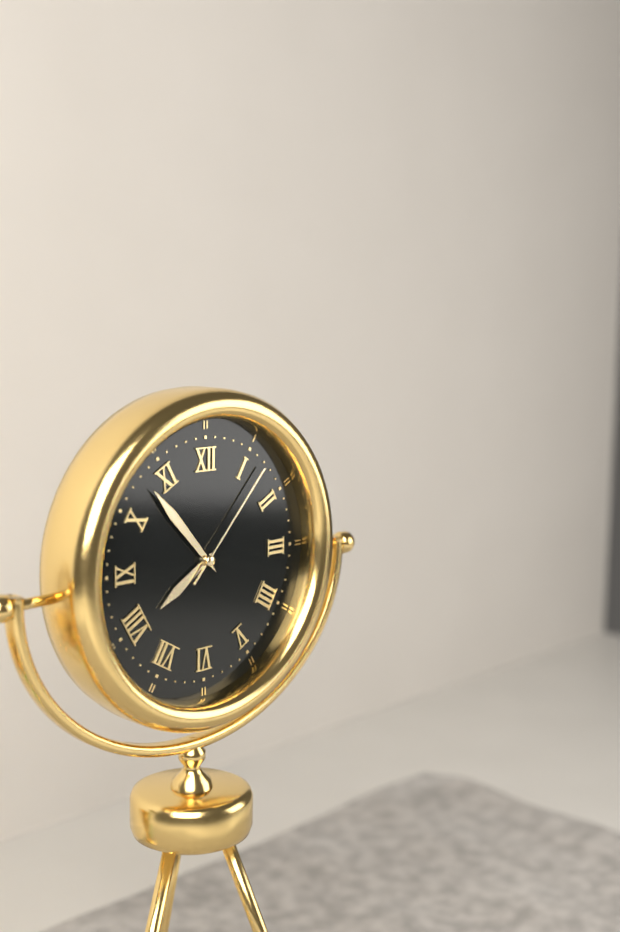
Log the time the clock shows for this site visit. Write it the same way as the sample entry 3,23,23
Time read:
7,53,07
